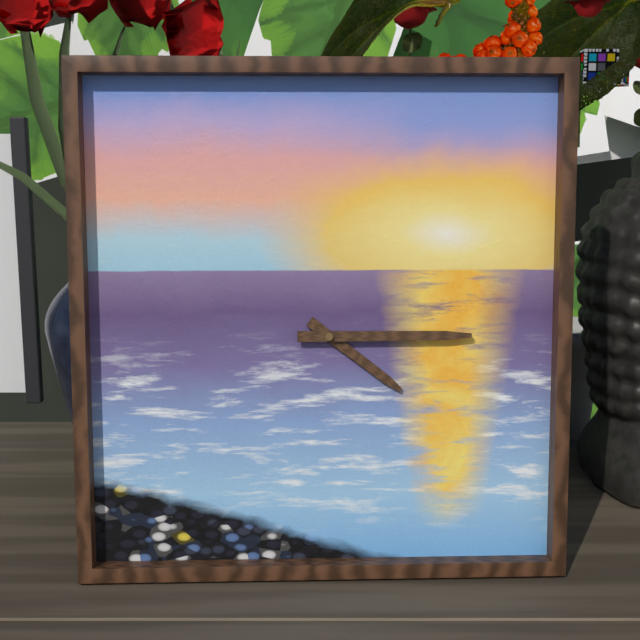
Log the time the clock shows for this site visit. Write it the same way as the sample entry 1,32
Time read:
4,15
